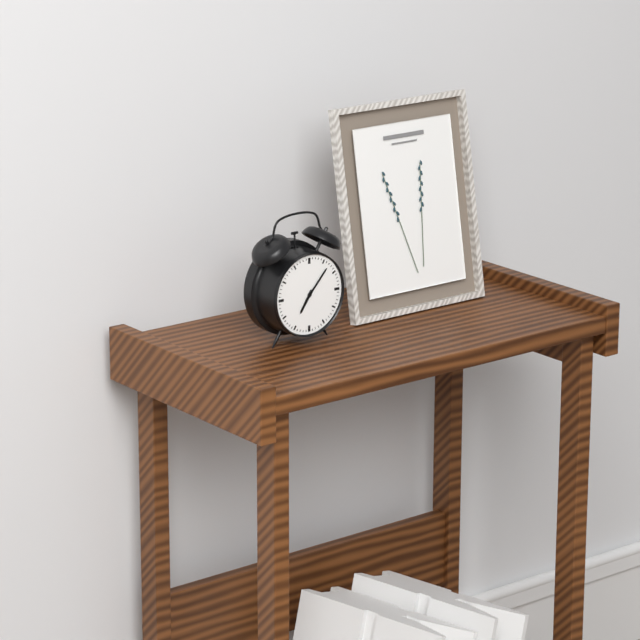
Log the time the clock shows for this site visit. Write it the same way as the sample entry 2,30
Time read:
7,07
